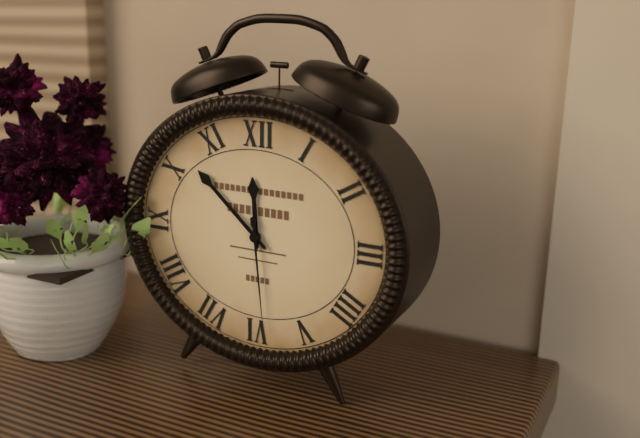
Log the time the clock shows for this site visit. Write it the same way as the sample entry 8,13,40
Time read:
11,52,29
